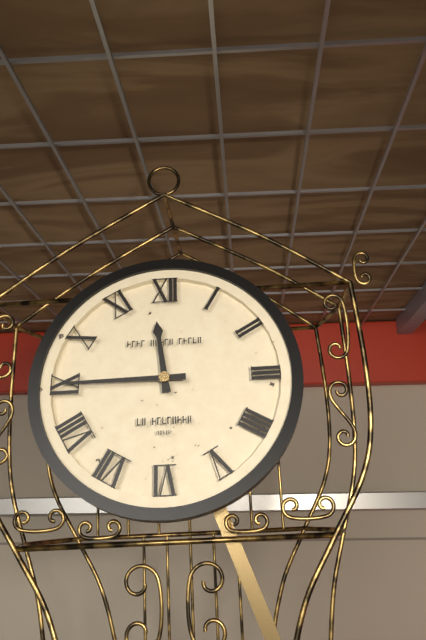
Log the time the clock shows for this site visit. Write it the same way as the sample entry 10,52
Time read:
11,45
